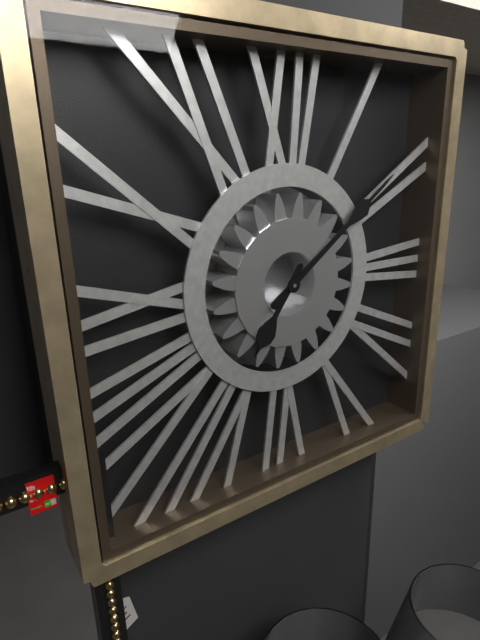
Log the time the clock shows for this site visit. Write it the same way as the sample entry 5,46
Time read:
7,09
